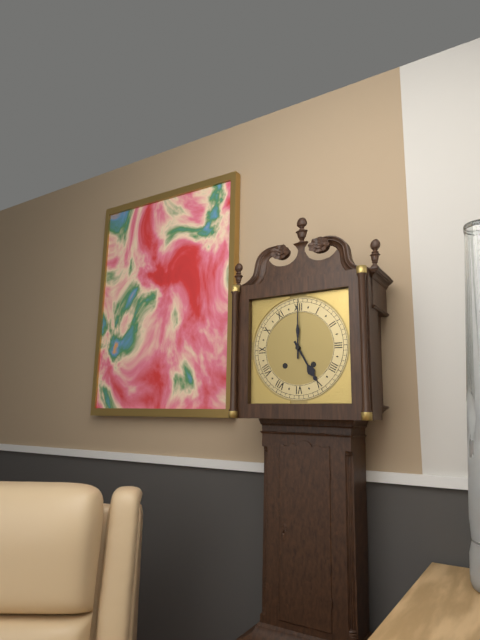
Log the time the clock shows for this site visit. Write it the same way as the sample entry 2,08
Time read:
5,00
